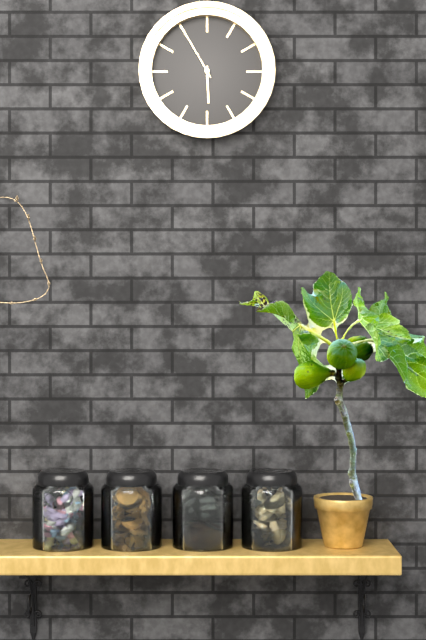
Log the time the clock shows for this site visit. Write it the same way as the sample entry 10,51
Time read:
5,55
